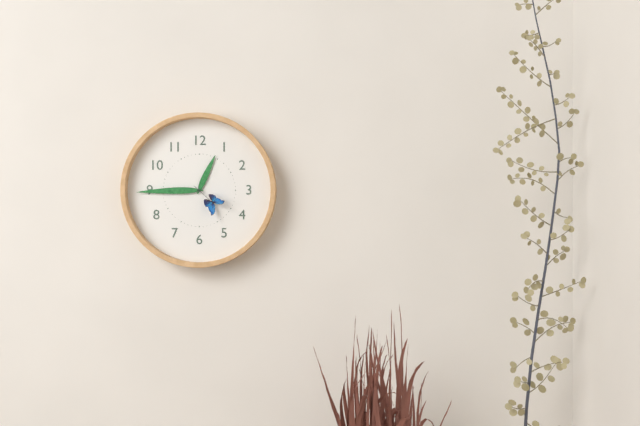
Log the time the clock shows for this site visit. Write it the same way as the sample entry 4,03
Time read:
12,45
